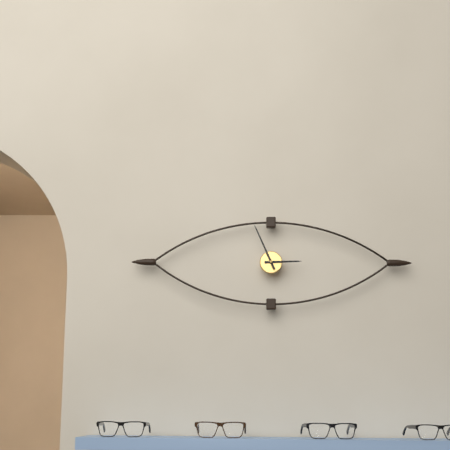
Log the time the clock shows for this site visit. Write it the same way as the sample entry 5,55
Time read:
2,56
